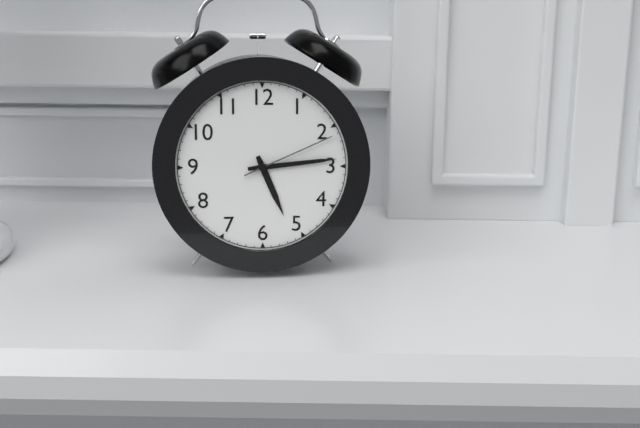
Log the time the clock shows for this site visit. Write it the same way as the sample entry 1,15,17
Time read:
5,14,11
